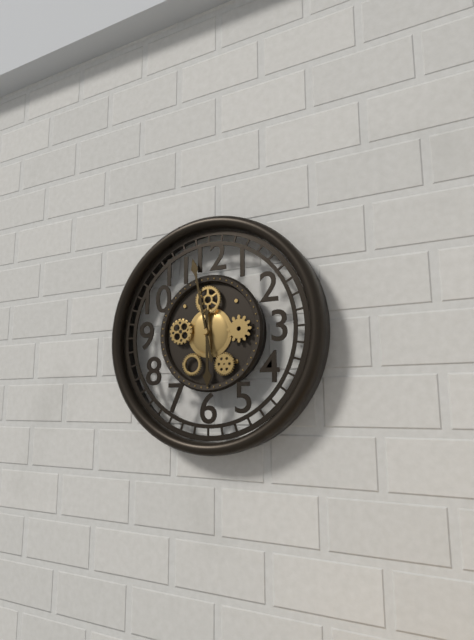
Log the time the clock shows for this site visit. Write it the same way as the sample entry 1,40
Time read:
5,58
